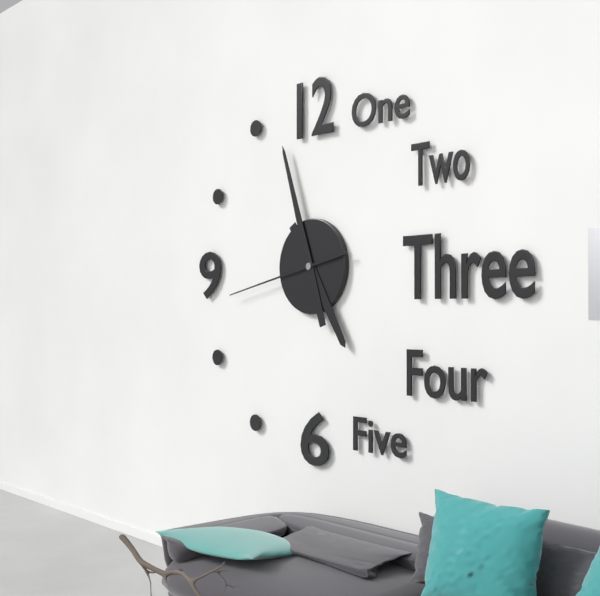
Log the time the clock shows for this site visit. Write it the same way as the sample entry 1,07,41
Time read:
4,57,43
